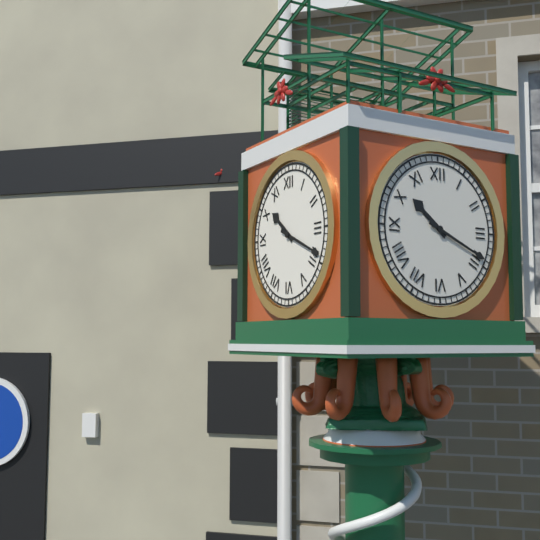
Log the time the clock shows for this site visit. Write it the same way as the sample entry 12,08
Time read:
10,19
